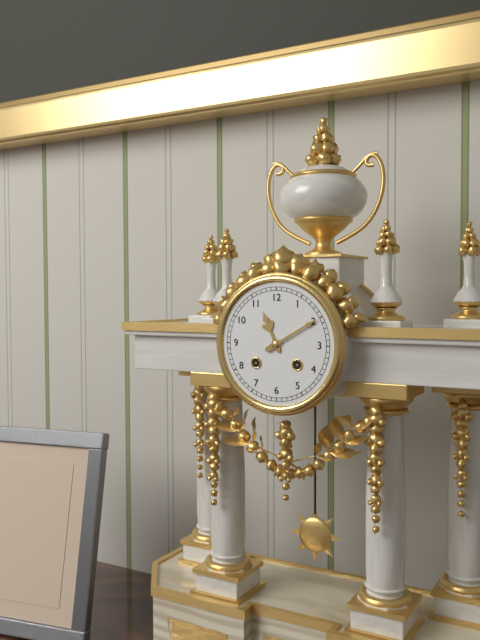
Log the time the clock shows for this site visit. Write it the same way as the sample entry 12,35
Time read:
11,10
